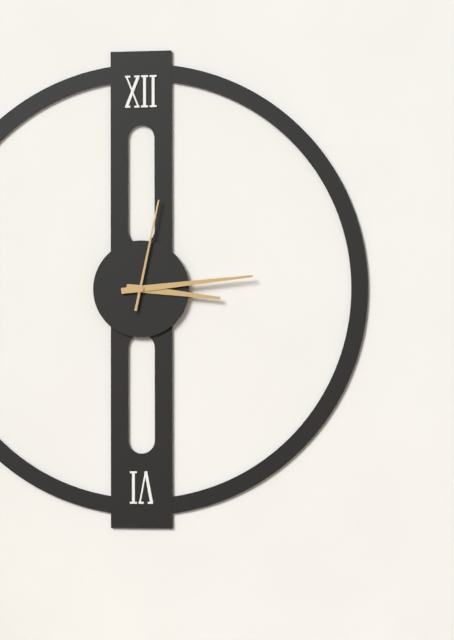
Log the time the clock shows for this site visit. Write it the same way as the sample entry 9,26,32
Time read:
3,14,02
